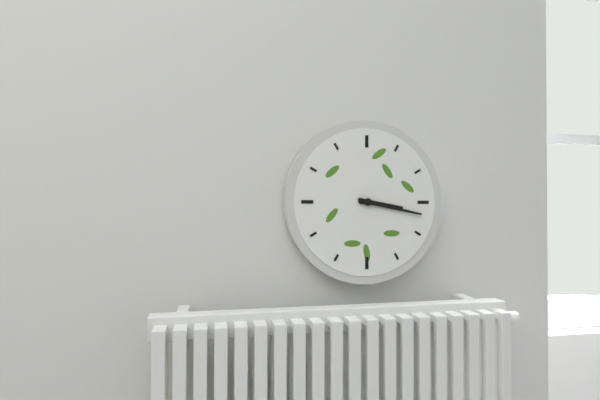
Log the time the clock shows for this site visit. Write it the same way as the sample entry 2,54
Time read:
3,17
